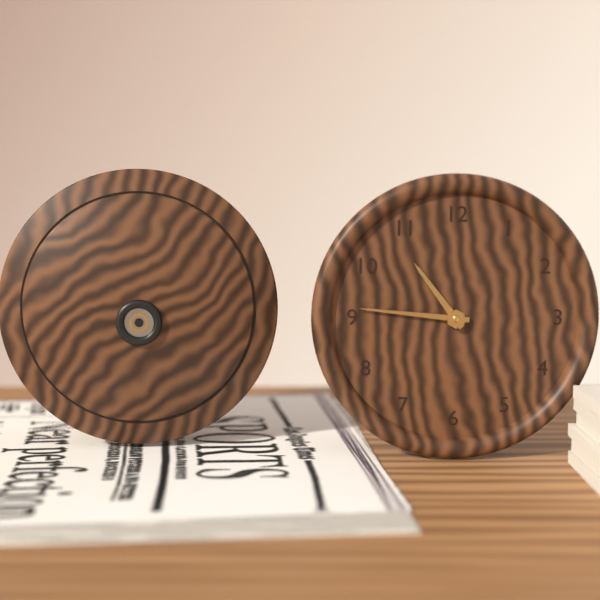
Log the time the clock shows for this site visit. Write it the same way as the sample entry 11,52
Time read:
10,46
